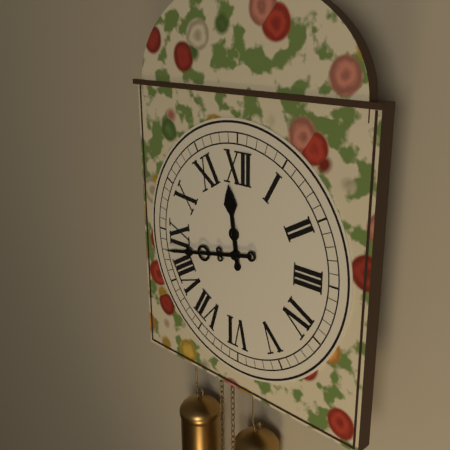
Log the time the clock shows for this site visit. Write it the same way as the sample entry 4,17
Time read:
11,43
